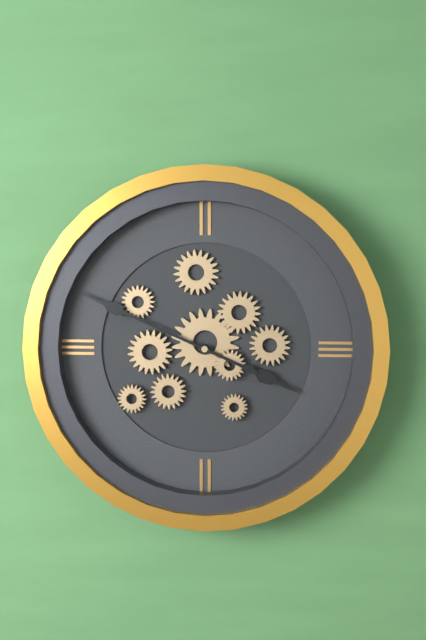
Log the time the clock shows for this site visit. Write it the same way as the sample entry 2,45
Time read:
3,49
